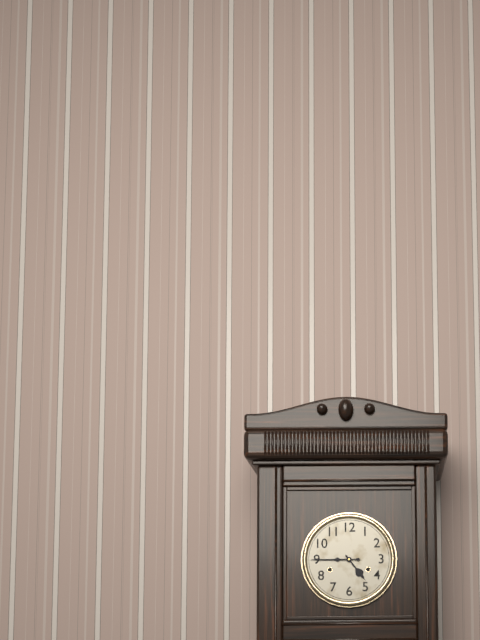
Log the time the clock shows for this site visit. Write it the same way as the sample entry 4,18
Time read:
4,45
